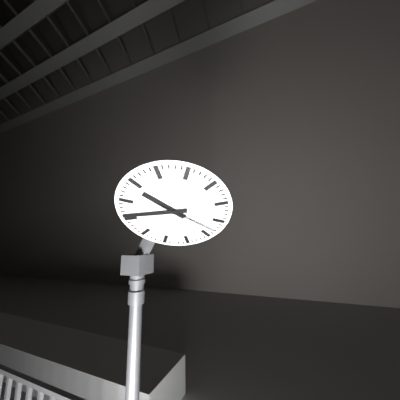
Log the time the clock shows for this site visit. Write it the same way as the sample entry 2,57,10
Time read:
10,46,23
